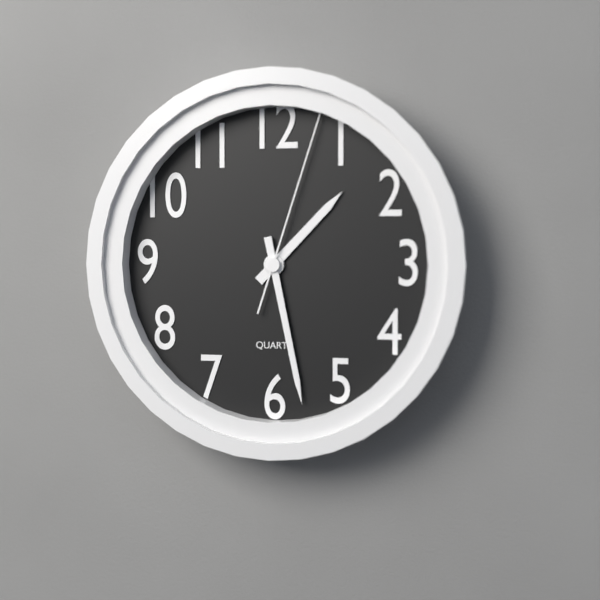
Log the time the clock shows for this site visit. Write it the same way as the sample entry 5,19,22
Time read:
1,28,03
